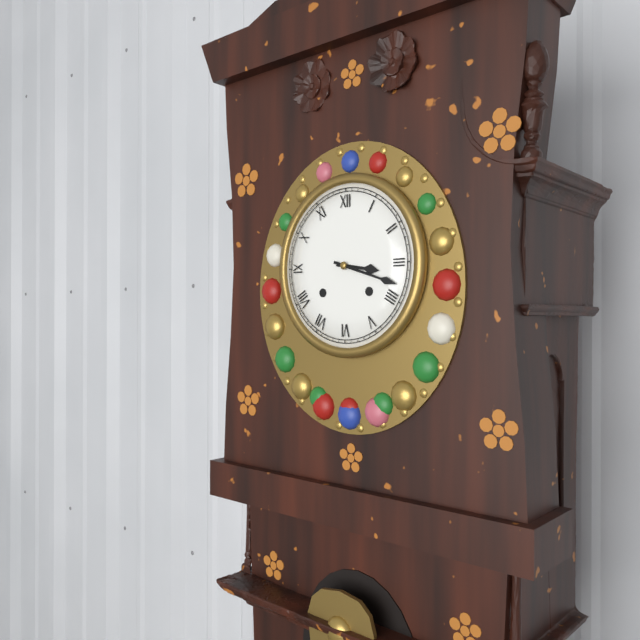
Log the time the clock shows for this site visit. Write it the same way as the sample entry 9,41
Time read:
3,18
